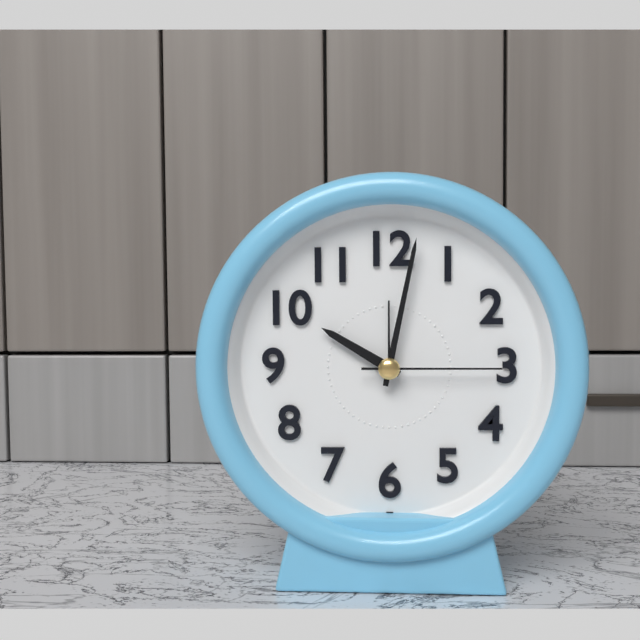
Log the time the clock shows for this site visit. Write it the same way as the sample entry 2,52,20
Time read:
10,02,15
